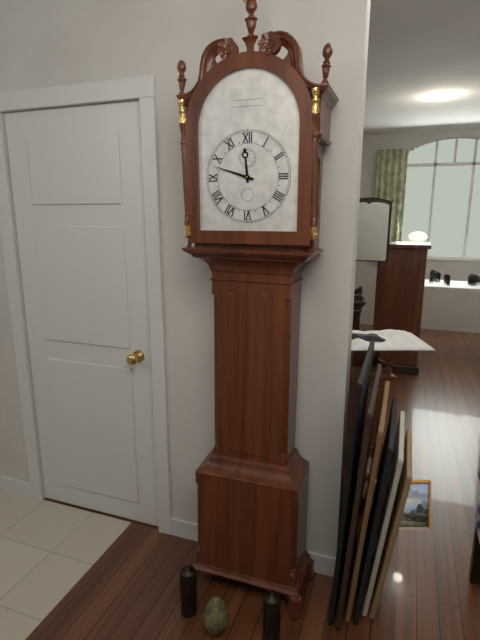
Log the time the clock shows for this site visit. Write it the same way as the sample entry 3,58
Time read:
11,48
